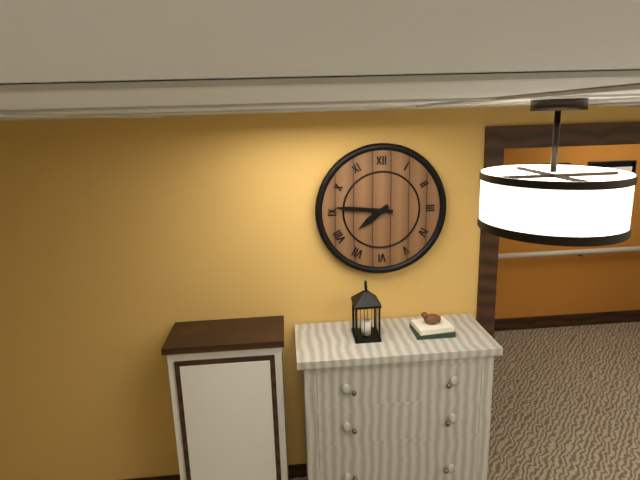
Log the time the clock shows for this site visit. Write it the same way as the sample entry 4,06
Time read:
7,46
